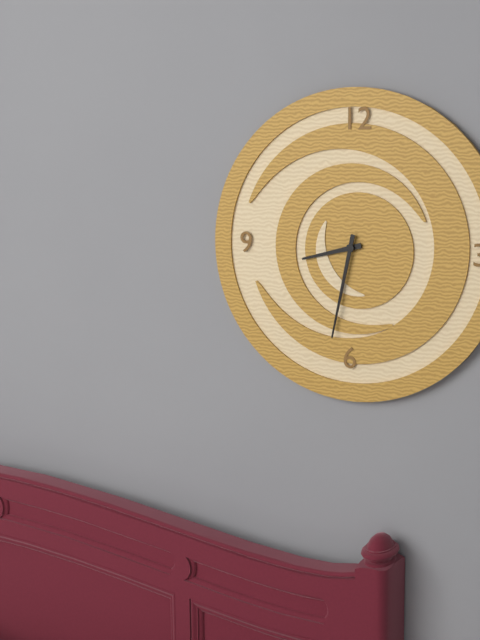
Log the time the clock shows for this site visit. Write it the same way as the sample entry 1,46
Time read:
8,32
